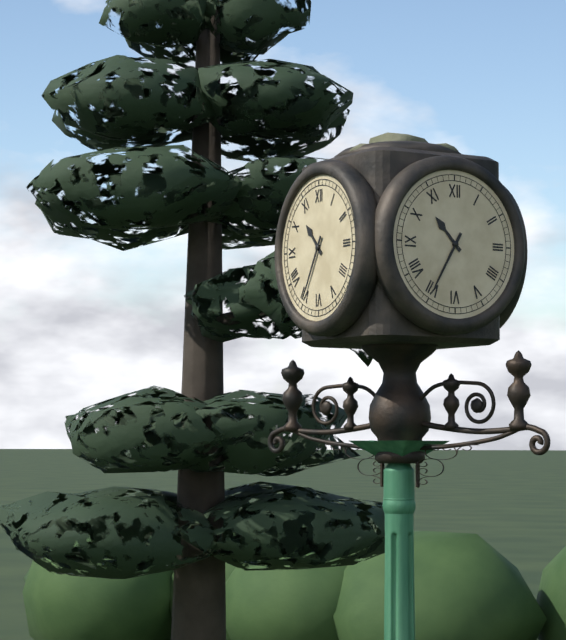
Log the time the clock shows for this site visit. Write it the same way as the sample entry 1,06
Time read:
10,35
